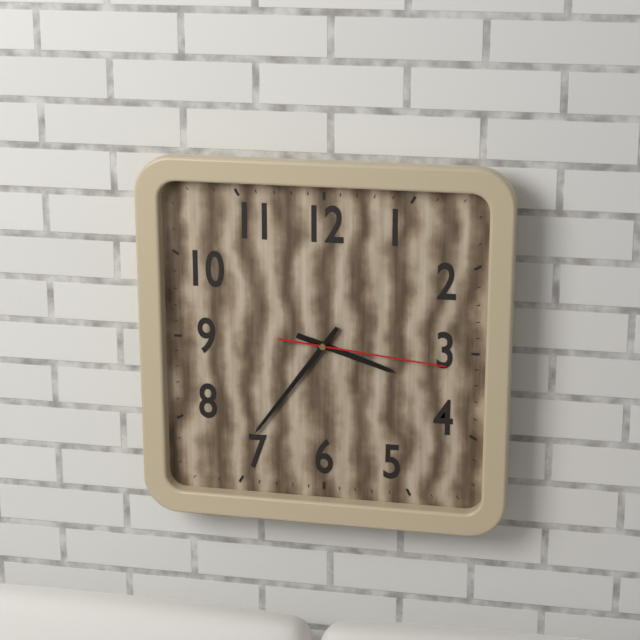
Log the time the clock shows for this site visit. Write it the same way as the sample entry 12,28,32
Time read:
3,36,16
